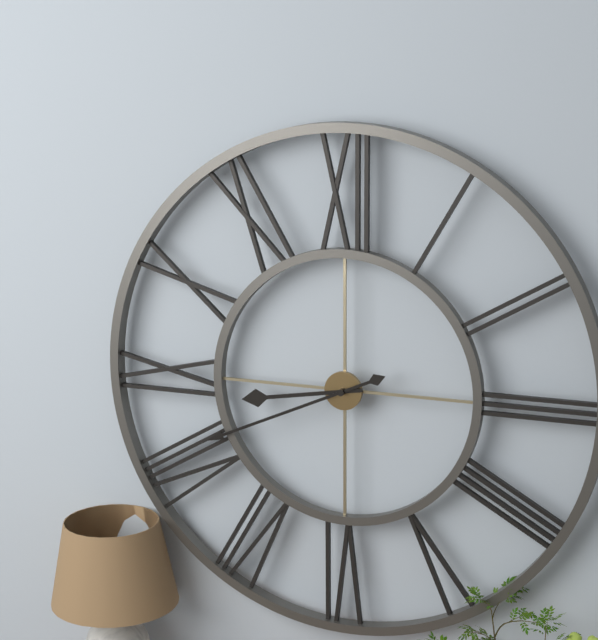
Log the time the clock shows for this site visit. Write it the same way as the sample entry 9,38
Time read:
8,41
